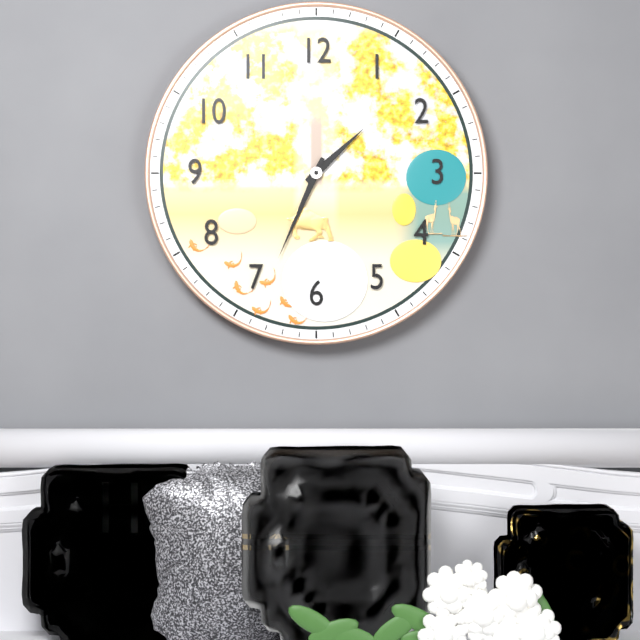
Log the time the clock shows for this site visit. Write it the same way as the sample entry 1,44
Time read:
1,34
